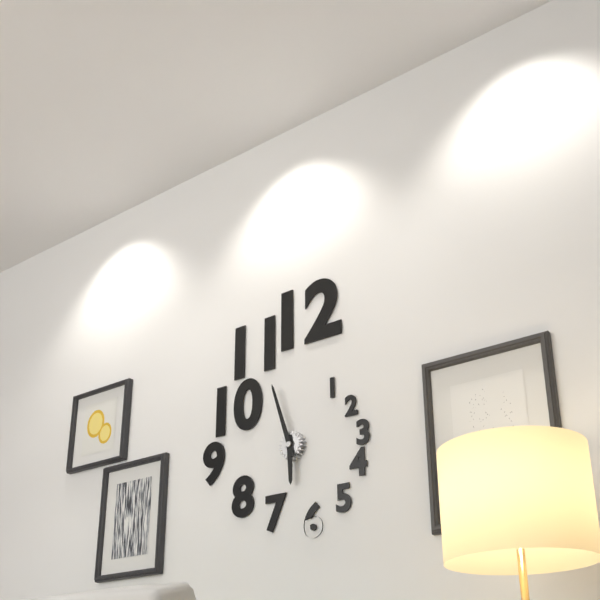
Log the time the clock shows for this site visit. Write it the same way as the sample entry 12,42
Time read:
5,57
